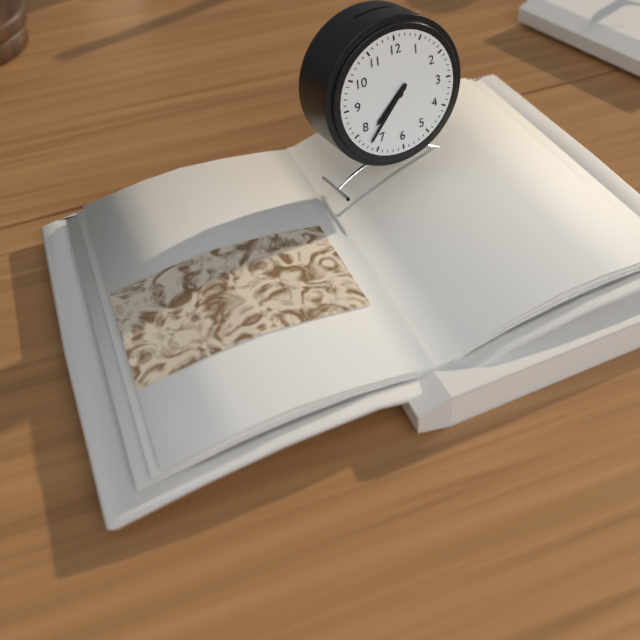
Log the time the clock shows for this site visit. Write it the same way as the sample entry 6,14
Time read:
7,37
